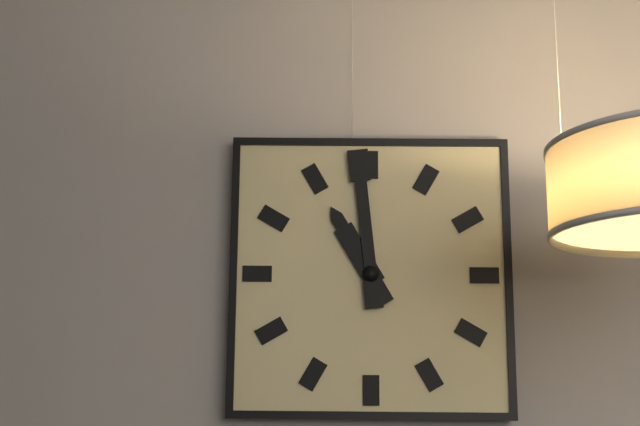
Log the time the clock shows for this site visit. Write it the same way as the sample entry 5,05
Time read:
10,59
